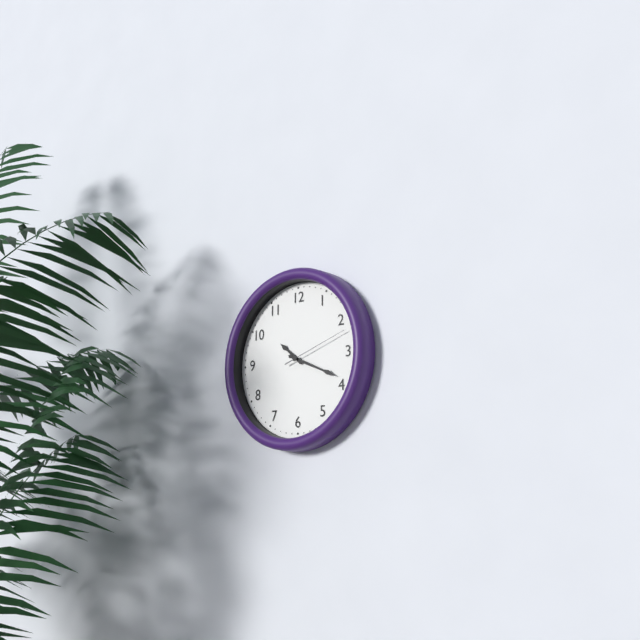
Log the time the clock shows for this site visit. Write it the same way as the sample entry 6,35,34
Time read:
10,19,12
